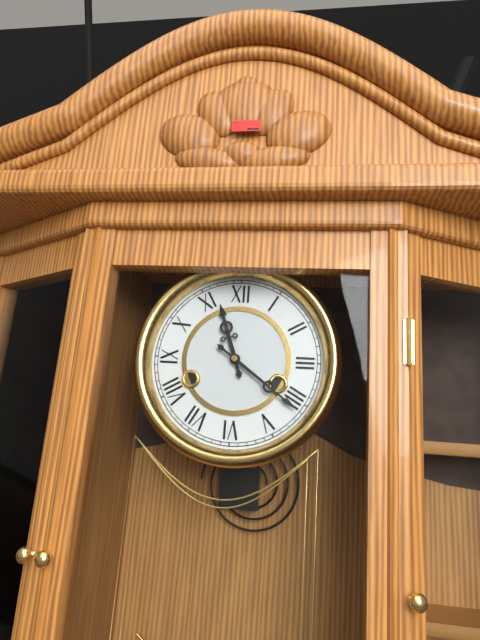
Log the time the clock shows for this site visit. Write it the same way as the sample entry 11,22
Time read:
11,21
